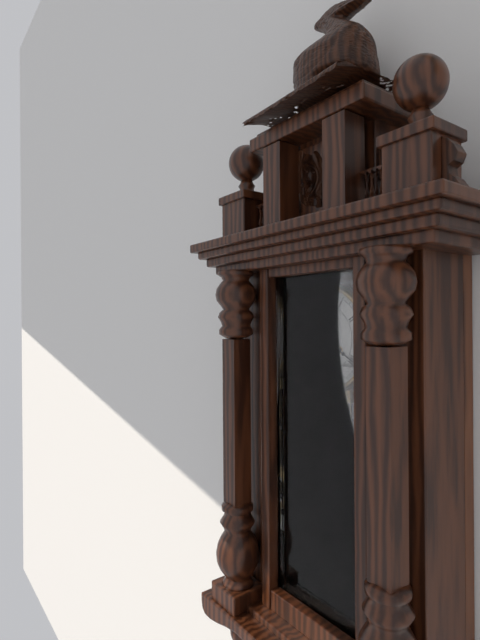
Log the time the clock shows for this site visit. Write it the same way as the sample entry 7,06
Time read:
11,20
